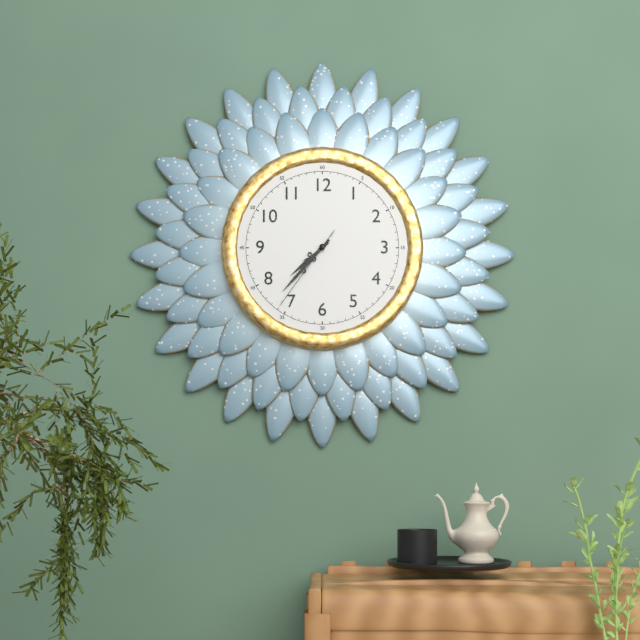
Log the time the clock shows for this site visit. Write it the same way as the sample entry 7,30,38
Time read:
7,37,36
